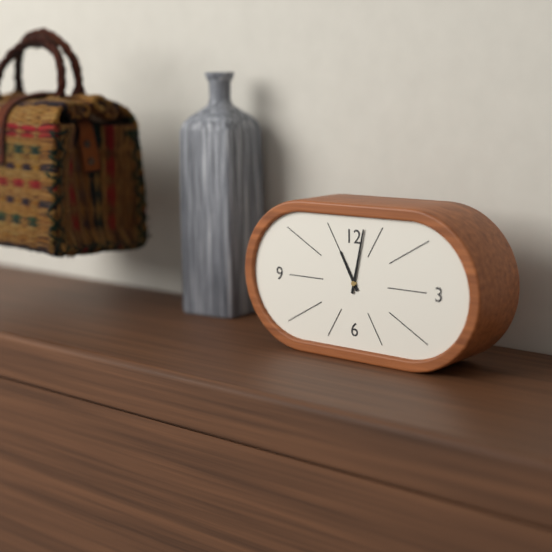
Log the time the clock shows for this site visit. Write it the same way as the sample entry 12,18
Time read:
11,02
